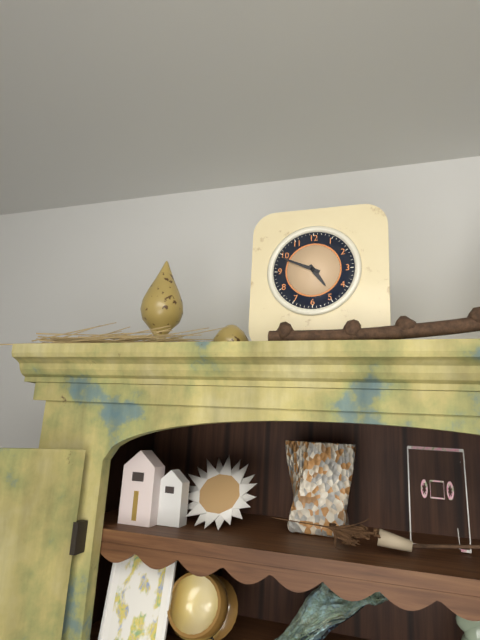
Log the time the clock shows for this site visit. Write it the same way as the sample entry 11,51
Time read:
4,49
